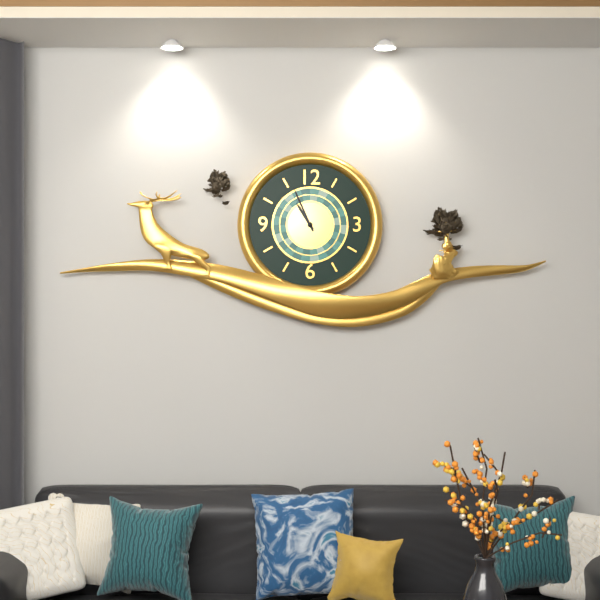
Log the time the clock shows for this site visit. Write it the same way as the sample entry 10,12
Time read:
10,56
